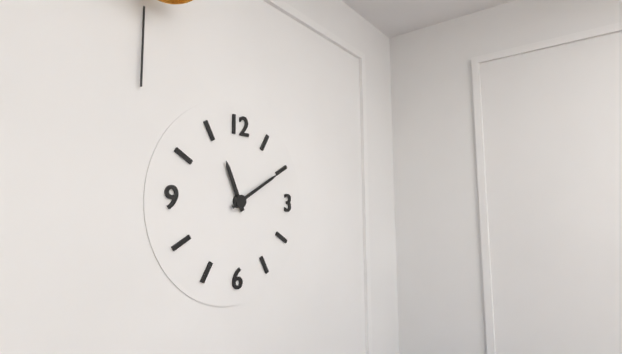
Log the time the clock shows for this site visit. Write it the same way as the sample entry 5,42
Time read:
11,10
